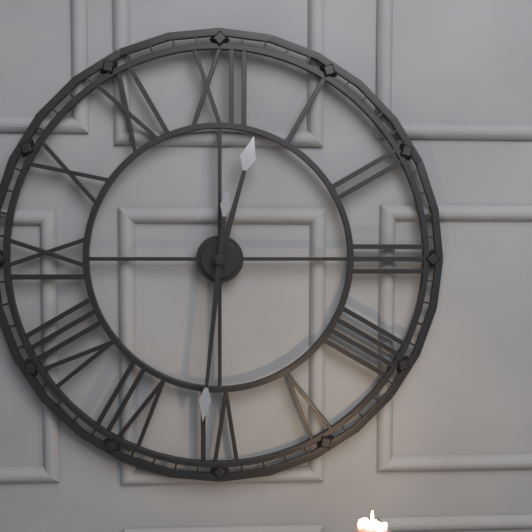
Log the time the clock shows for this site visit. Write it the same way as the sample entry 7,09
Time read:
12,31
